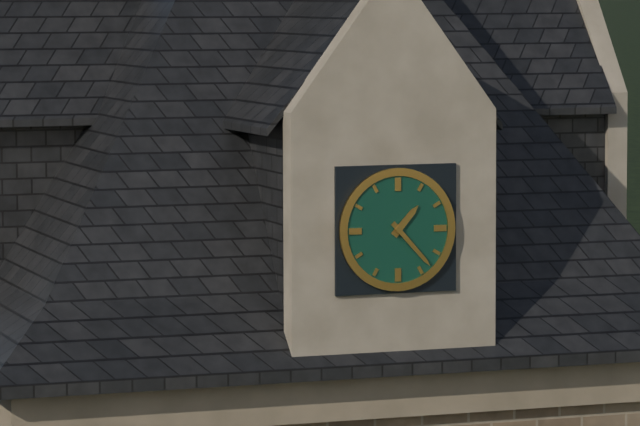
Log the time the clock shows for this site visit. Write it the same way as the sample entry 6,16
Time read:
1,23
